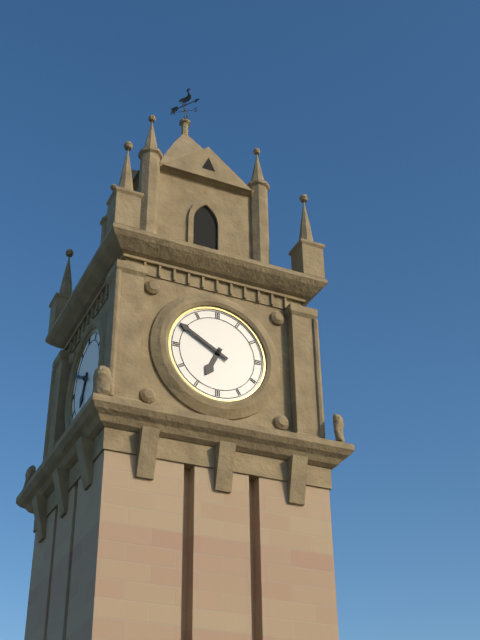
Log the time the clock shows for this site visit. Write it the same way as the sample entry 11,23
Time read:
6,50
